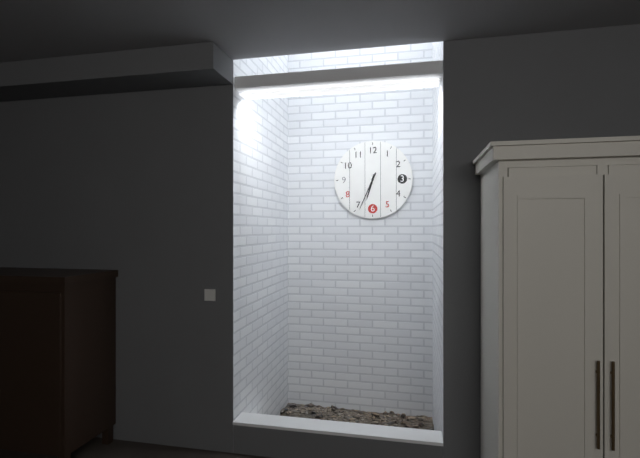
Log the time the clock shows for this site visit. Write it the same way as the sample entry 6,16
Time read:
6,34
